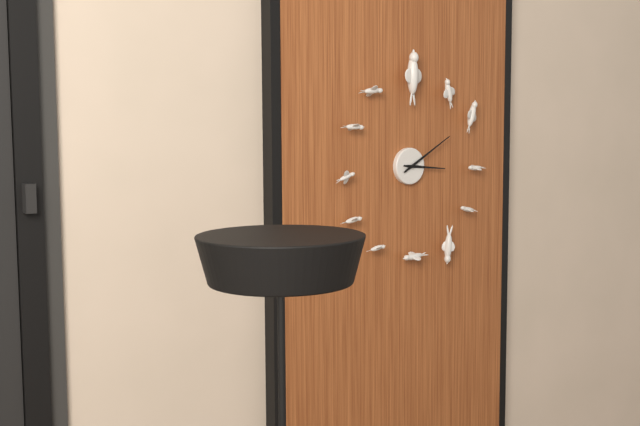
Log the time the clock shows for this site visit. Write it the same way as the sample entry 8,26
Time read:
3,10
